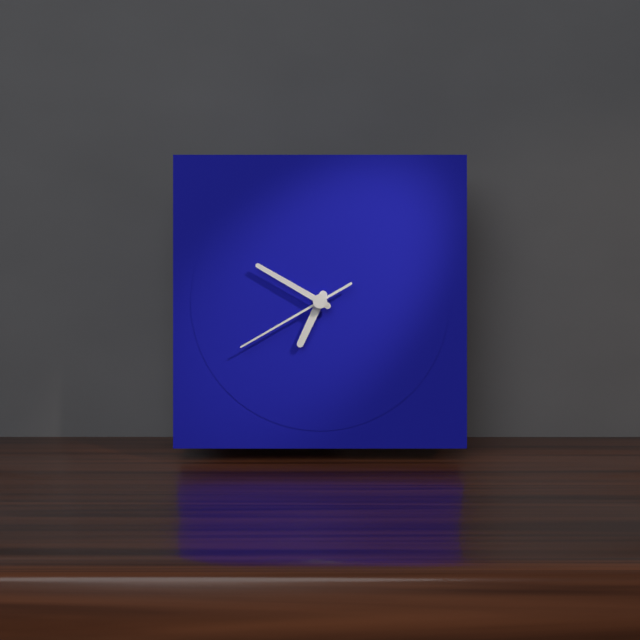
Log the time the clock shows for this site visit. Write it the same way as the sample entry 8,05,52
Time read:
6,50,40
